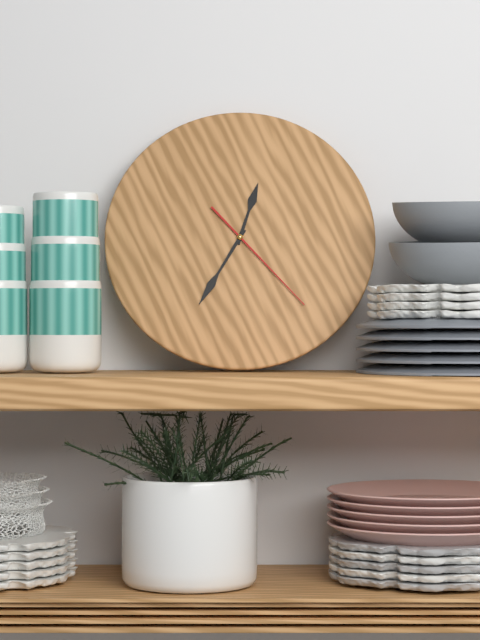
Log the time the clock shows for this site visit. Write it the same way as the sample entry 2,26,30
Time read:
12,35,23
